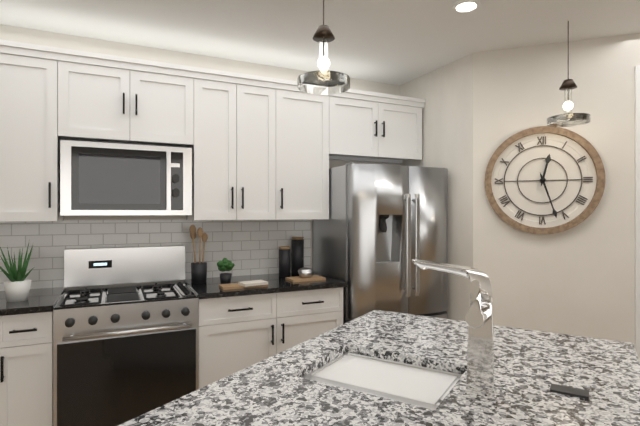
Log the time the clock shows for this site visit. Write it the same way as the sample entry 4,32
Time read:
12,27
